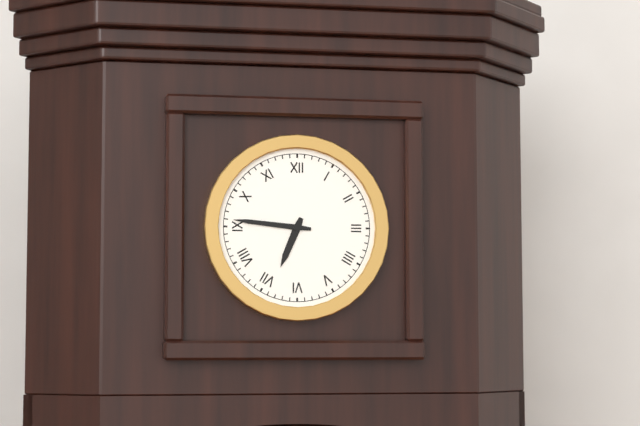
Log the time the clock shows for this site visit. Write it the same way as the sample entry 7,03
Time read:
6,46
